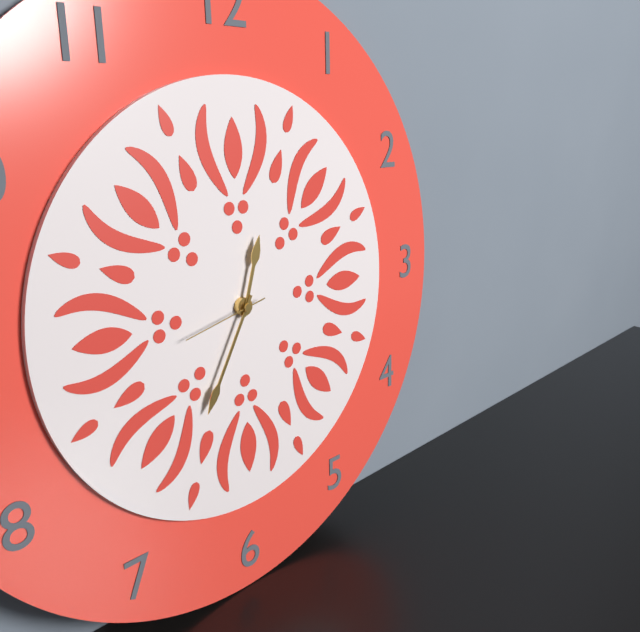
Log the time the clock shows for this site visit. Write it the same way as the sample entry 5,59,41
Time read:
12,35,43
